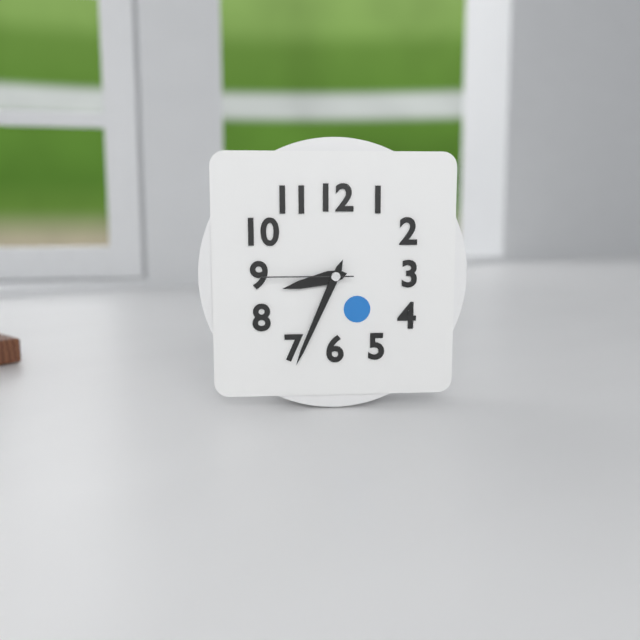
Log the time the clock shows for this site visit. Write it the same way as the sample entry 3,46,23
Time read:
8,34,45
